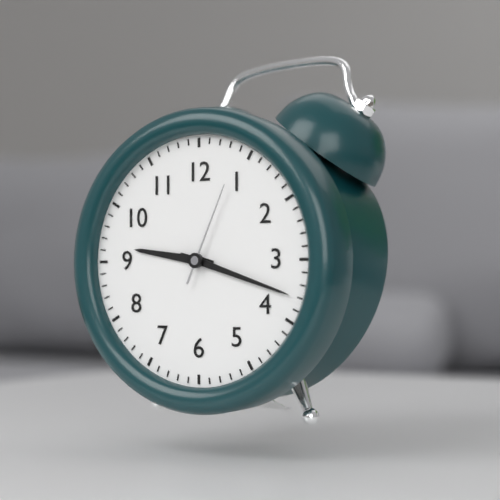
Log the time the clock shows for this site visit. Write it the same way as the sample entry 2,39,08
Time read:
9,18,04
